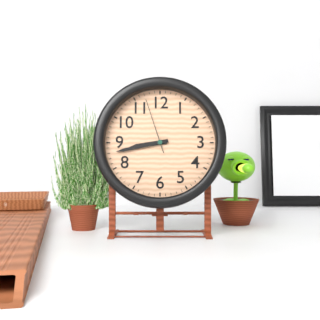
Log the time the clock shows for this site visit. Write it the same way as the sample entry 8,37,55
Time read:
8,43,57
